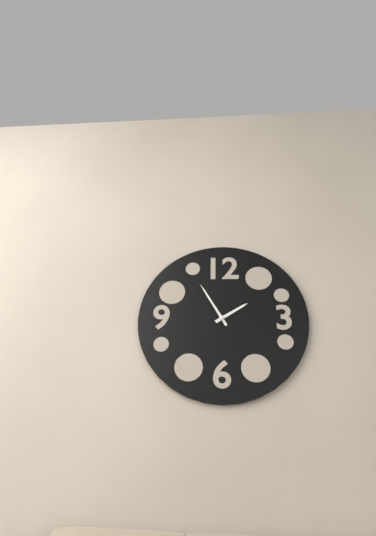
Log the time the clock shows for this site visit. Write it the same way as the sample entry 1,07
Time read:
1,55
